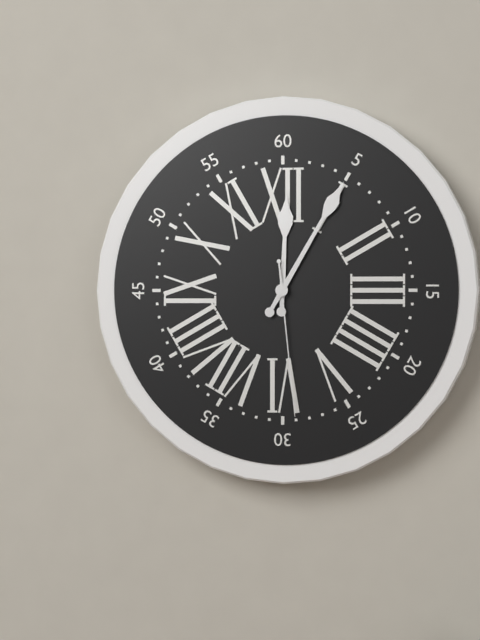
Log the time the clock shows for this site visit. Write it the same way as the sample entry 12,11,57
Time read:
12,05,29
